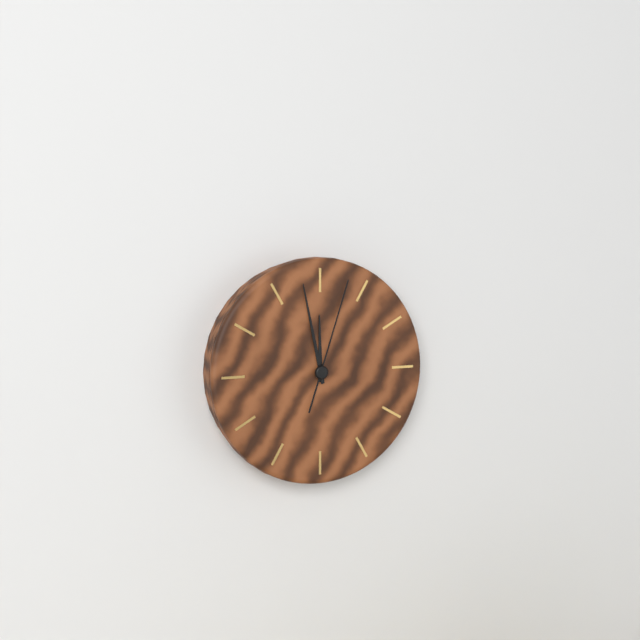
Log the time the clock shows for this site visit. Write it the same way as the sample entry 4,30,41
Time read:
11,58,03
